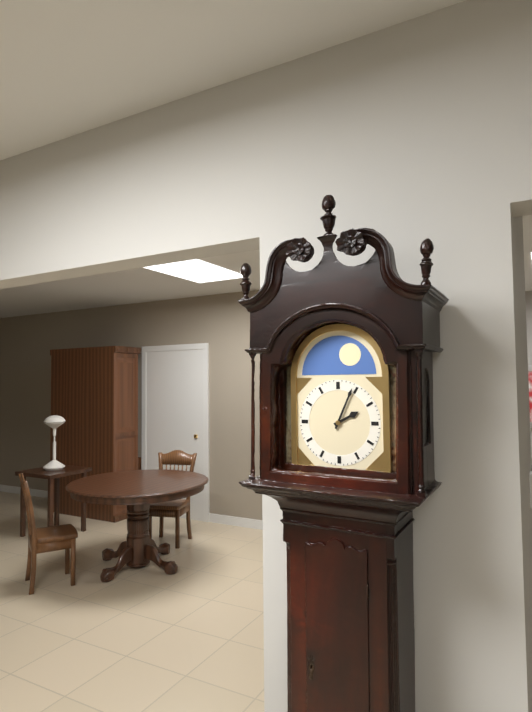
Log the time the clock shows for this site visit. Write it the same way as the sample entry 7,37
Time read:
2,04
